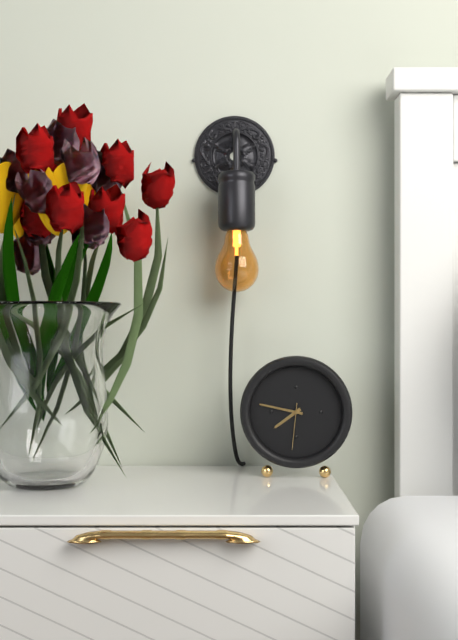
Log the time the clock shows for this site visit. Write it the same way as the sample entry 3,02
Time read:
7,47
